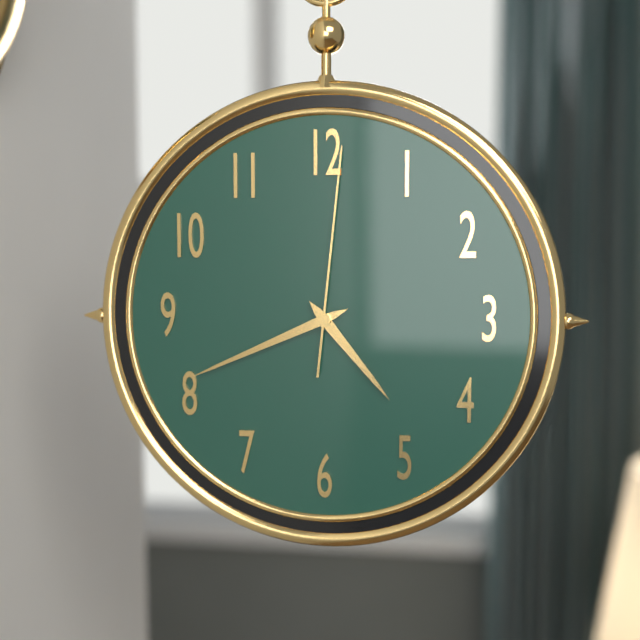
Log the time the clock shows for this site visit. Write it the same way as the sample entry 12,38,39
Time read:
4,41,01
